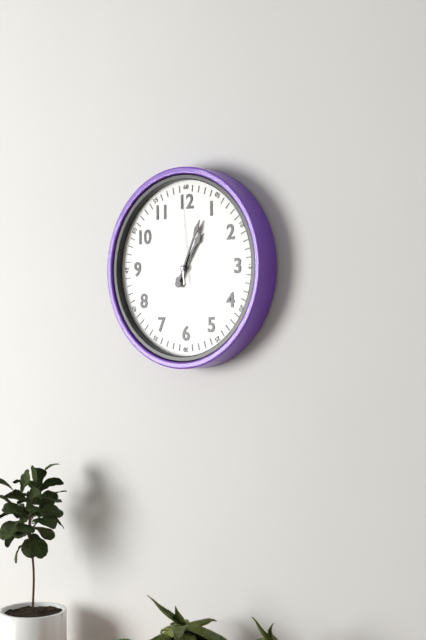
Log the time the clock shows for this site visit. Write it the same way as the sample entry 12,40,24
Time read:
1,04,59
